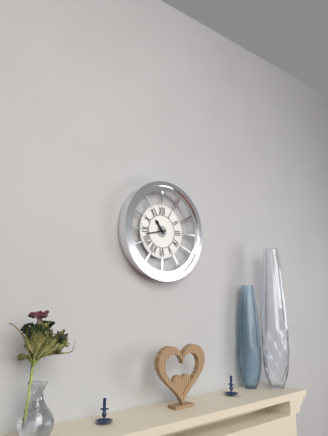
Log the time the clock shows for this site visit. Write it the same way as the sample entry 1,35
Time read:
10,43
